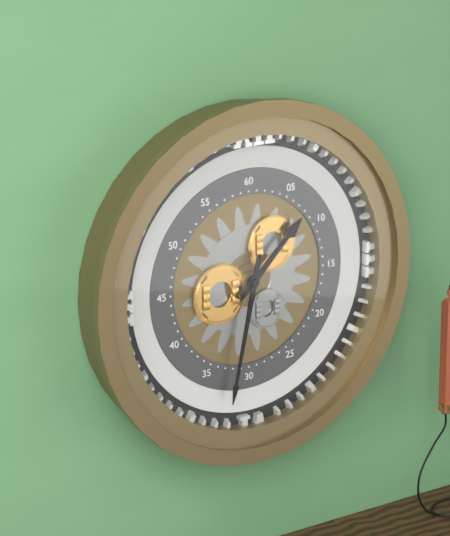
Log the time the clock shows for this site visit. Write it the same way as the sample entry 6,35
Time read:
1,32
